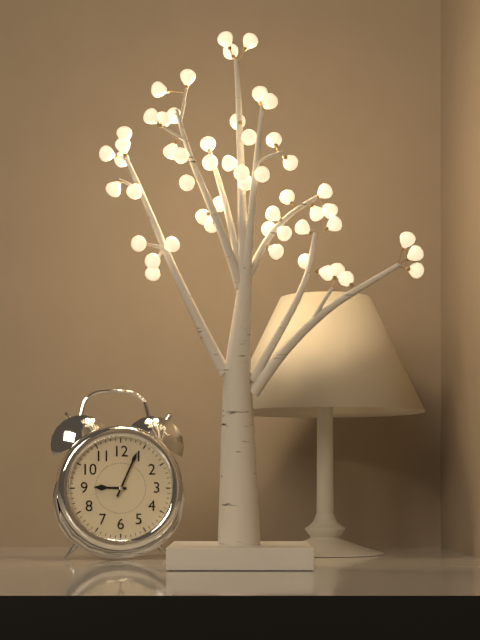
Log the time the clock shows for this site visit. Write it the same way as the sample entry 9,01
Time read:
9,04
